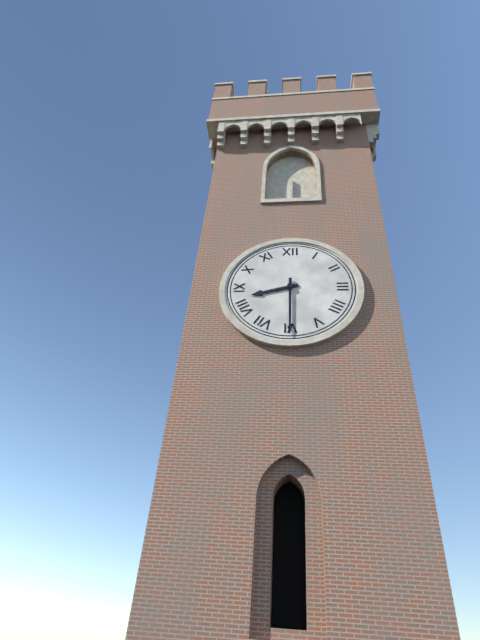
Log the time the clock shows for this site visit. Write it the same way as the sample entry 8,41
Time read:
8,30
